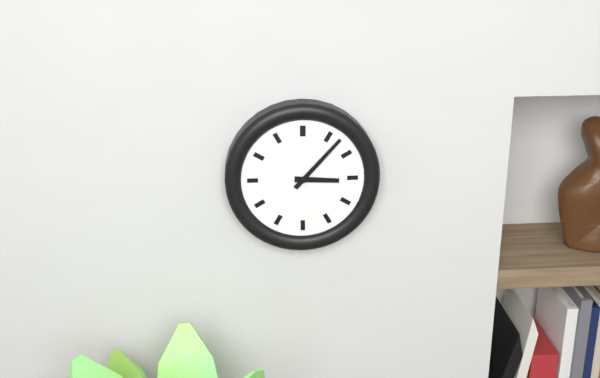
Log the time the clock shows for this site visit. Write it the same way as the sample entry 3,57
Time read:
3,07
